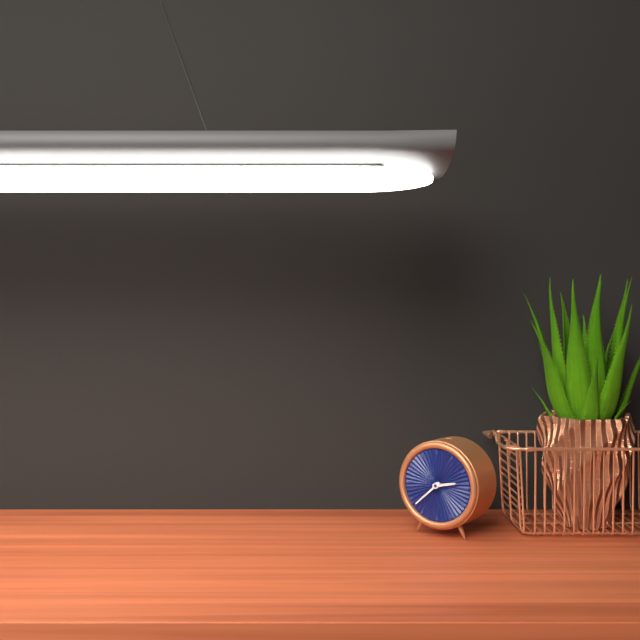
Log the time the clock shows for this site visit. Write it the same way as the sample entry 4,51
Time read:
2,38
